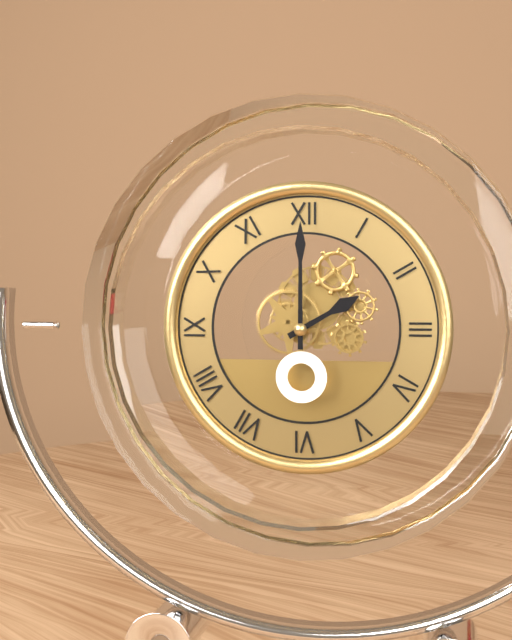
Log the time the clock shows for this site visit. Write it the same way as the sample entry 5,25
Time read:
2,00
